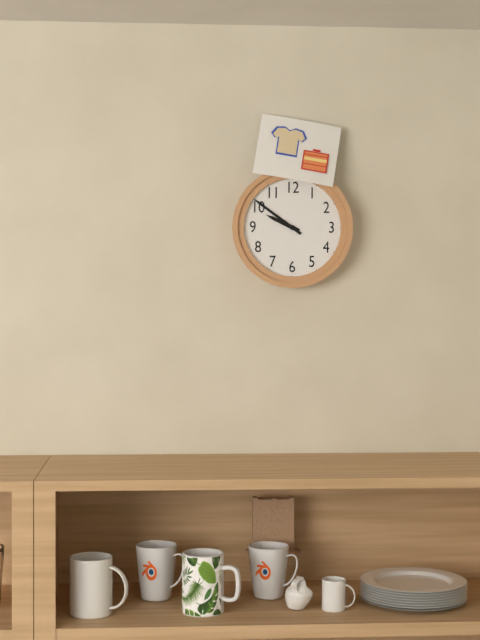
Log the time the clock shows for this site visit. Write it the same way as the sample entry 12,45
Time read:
9,51
